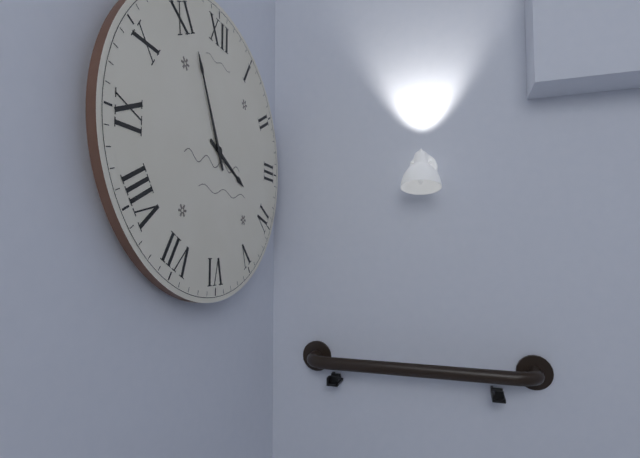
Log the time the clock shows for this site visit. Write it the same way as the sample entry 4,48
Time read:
3,56
